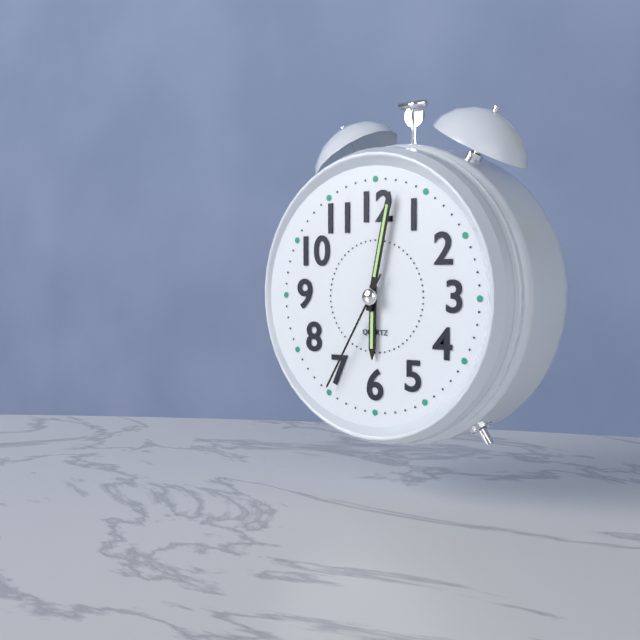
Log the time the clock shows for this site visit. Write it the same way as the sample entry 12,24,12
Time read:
6,02,35
